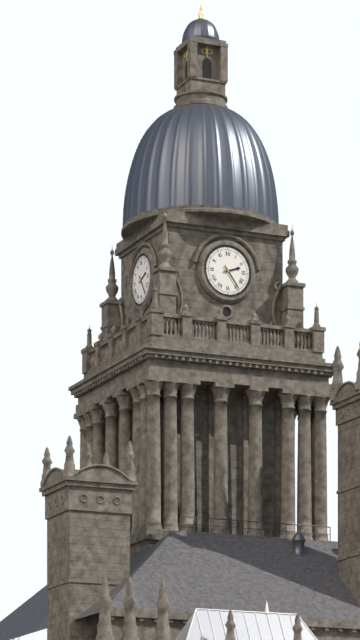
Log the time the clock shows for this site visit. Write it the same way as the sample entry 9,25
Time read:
2,24
